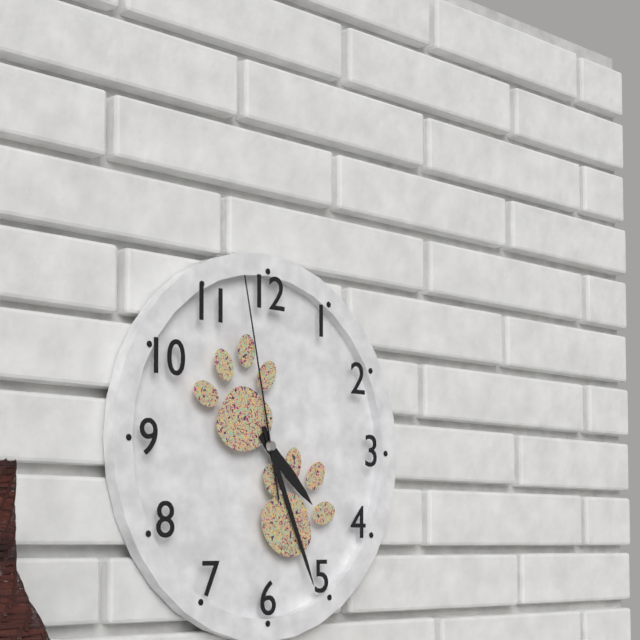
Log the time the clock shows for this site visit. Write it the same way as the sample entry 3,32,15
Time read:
4,26,58
